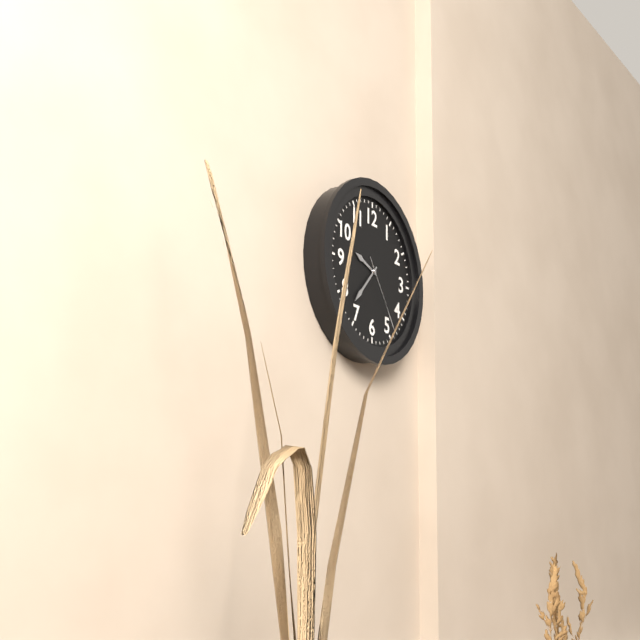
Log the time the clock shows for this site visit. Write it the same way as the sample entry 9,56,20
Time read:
9,37,24
